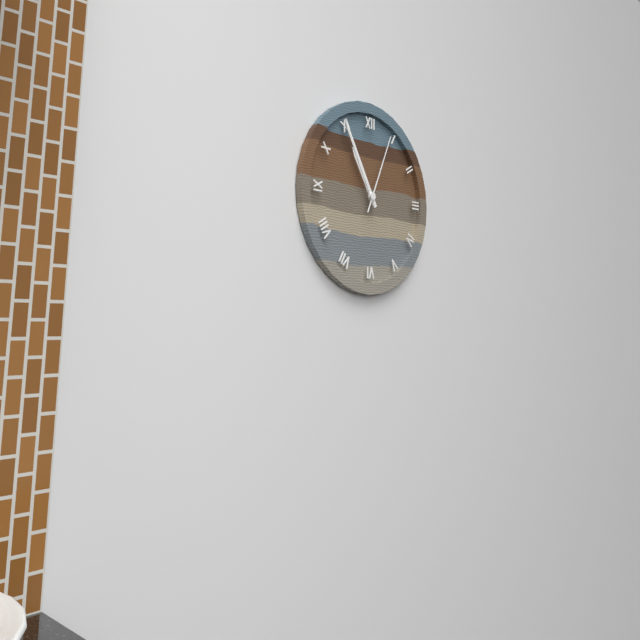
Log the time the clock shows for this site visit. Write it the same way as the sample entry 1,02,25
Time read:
10,55,04
